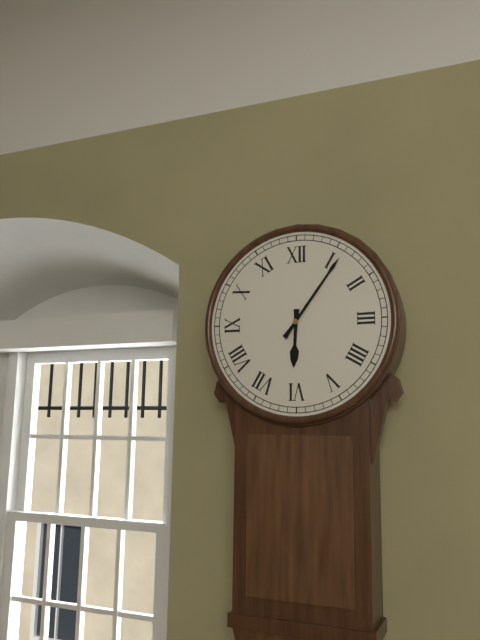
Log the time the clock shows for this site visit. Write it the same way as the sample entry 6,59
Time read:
6,06
